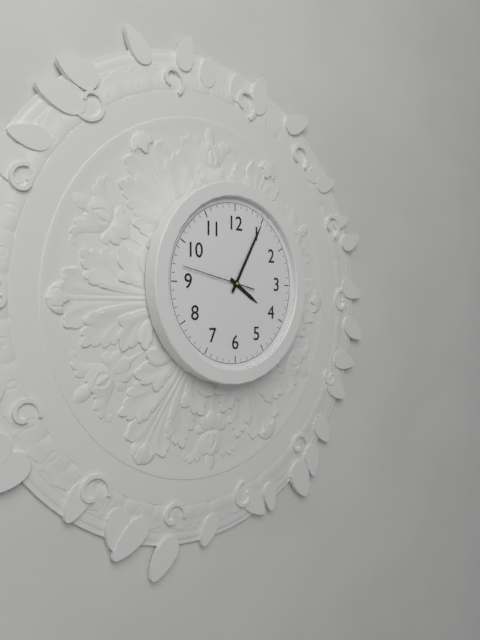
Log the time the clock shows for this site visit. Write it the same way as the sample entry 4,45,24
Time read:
4,05,47
